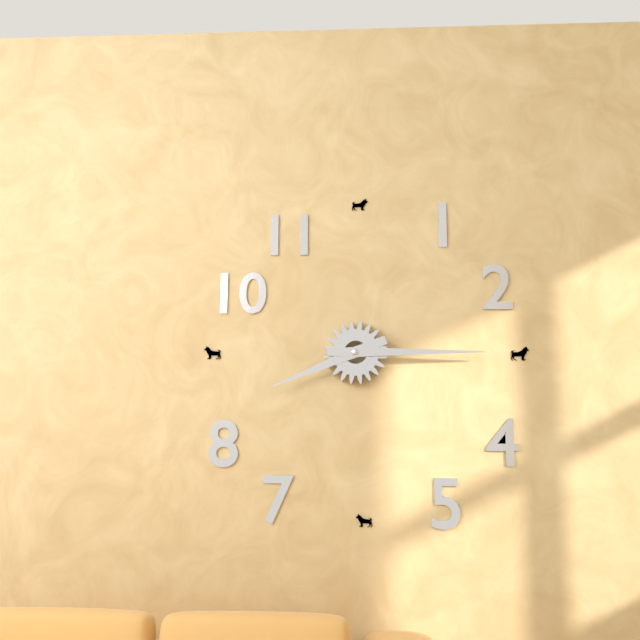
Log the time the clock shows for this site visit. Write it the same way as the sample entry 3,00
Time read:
8,15
